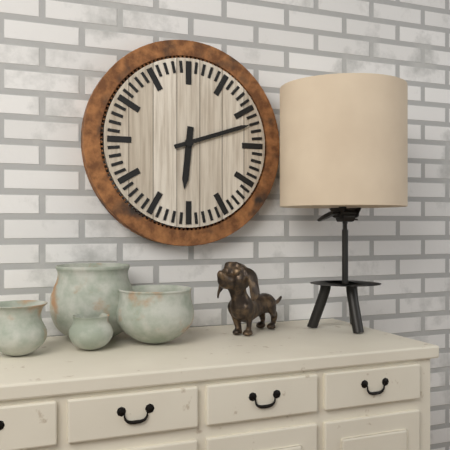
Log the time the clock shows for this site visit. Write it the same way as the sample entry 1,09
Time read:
6,12
